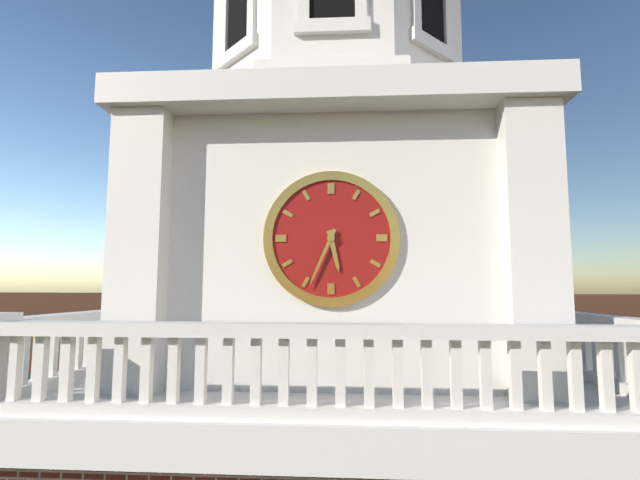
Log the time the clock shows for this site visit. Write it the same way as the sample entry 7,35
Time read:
5,34
